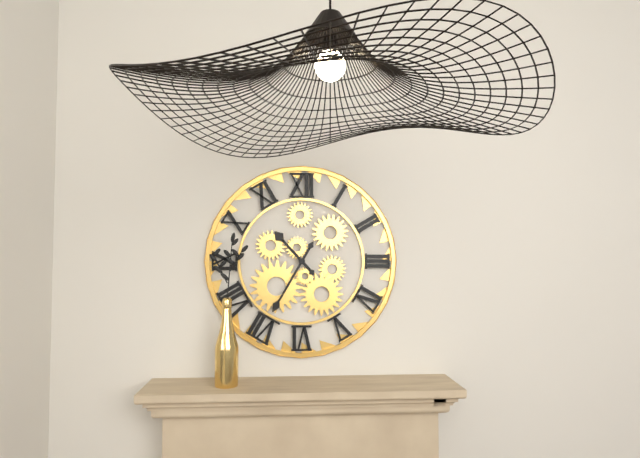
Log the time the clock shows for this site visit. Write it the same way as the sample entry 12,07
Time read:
10,35
